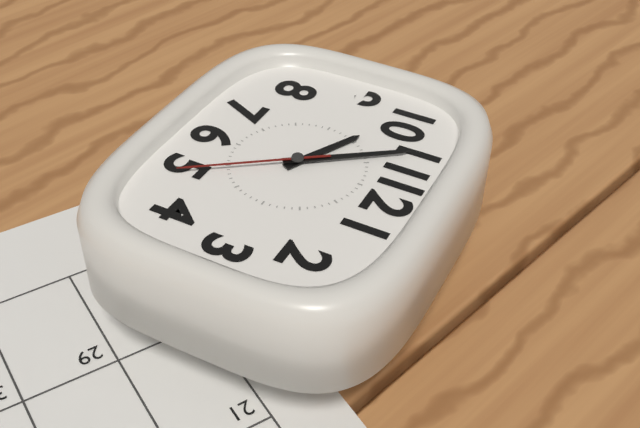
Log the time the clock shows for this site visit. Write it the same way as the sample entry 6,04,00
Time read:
9,54,24
